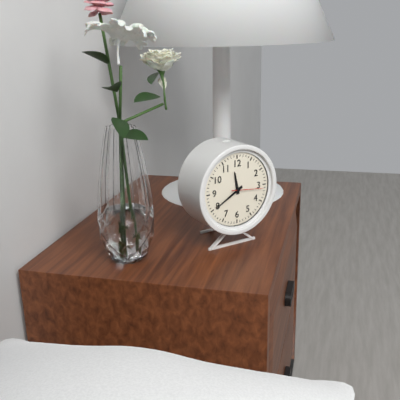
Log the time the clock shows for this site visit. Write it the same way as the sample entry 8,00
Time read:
11,40
